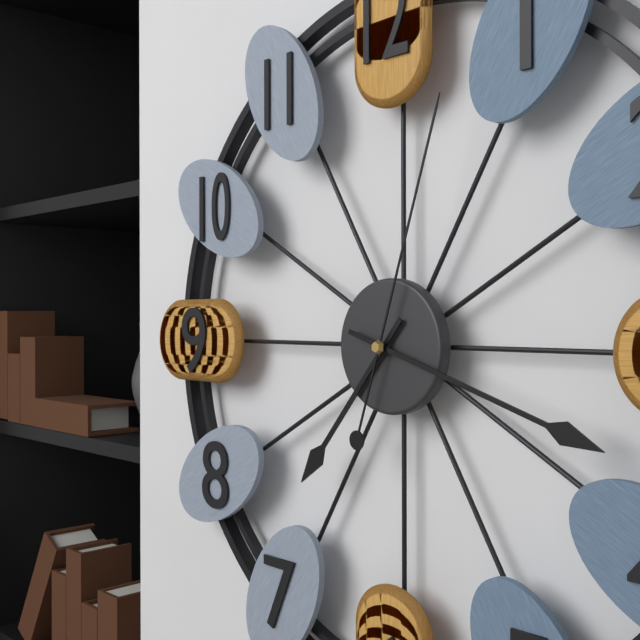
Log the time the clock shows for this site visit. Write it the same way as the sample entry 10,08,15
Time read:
7,18,03
